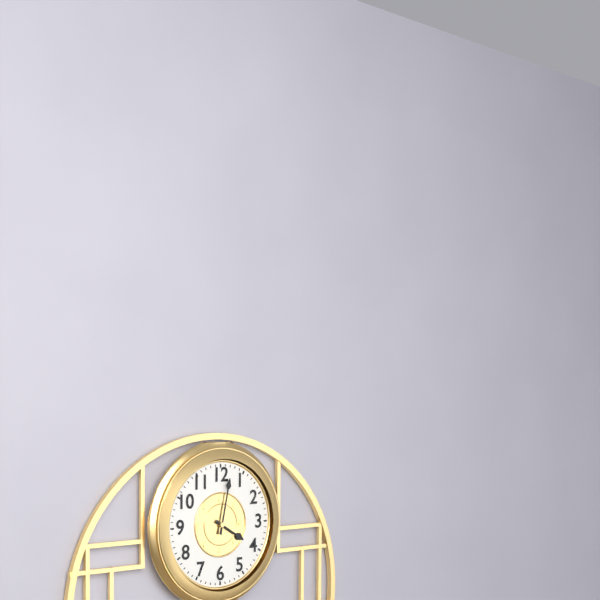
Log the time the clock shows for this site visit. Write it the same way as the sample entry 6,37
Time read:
4,02
